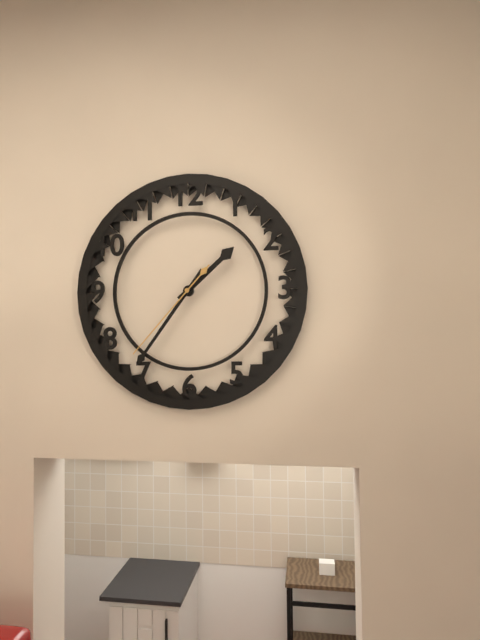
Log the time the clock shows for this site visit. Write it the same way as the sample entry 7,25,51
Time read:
1,36,37
